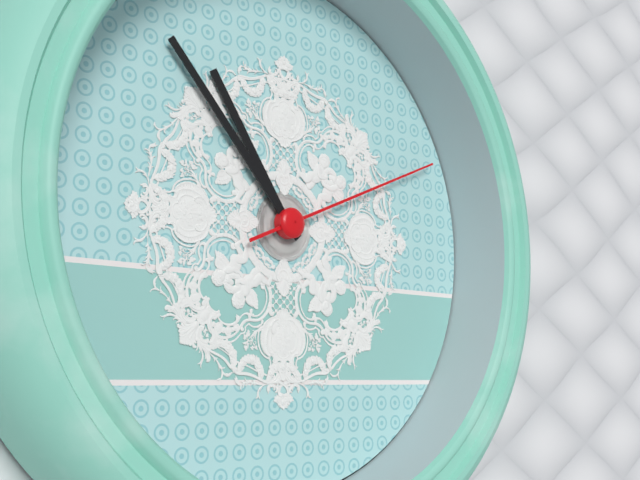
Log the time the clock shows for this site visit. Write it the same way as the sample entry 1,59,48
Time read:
10,53,11
